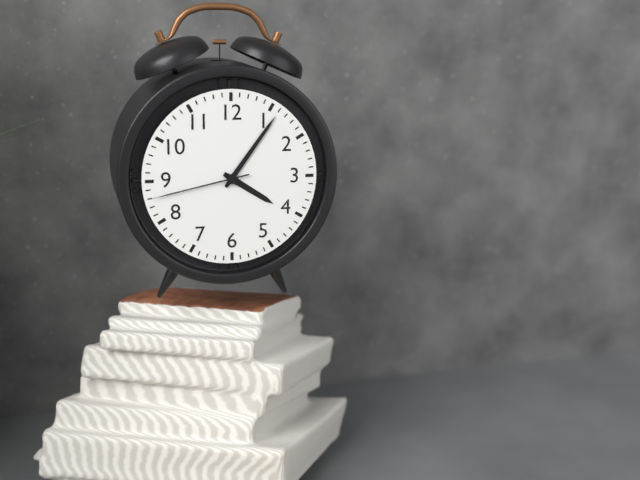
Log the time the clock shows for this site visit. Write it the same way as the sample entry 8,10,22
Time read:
4,06,43
